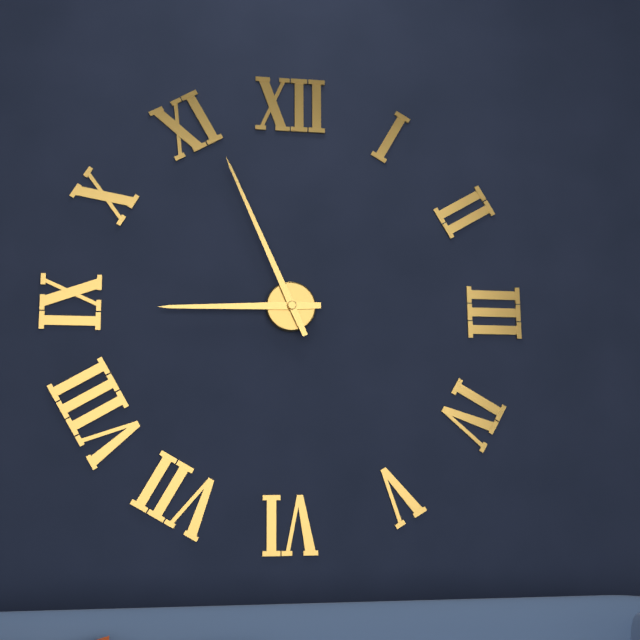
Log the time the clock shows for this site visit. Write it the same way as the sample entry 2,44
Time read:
8,56
